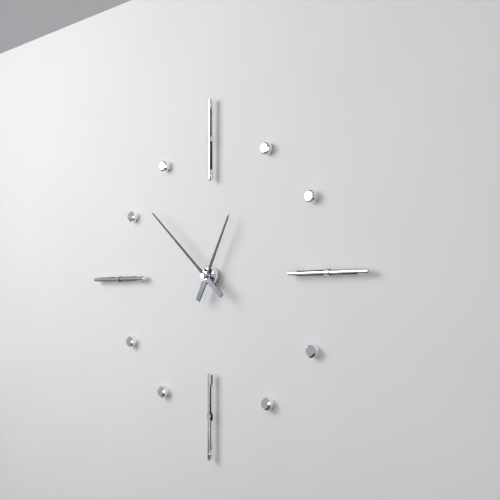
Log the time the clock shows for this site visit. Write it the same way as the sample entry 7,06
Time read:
12,52
